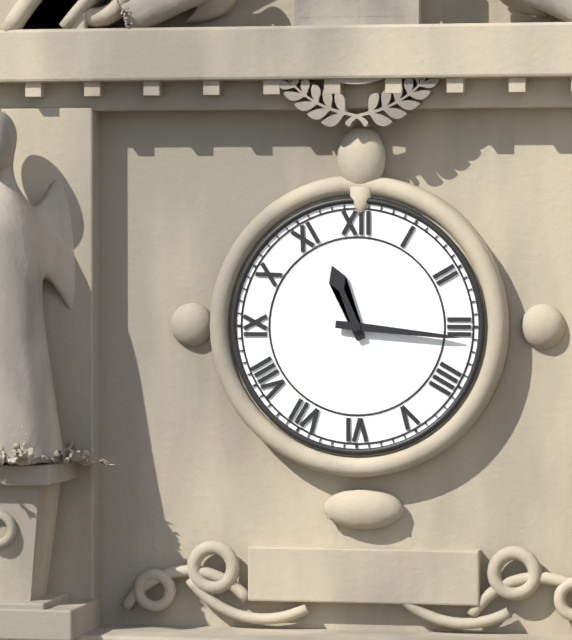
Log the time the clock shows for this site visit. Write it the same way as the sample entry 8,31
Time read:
11,16
